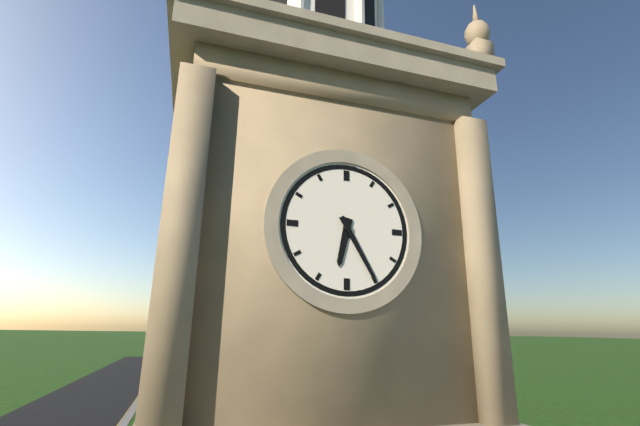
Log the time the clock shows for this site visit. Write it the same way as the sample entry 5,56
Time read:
6,25
